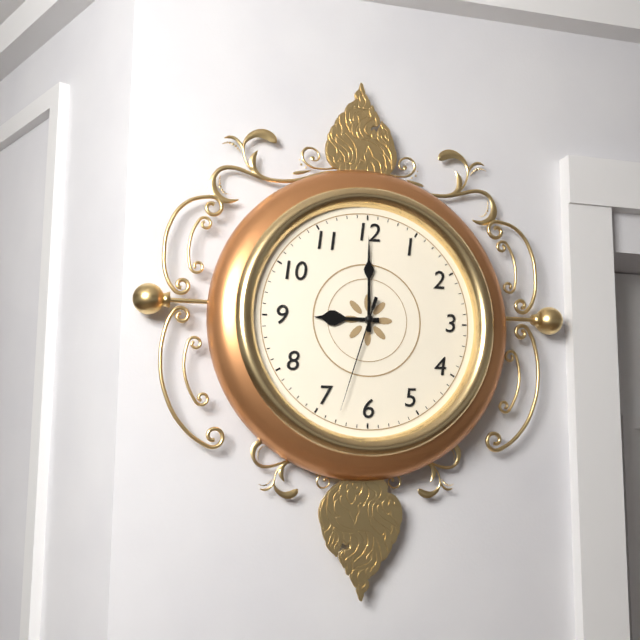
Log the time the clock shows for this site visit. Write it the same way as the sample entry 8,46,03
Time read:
9,00,33
